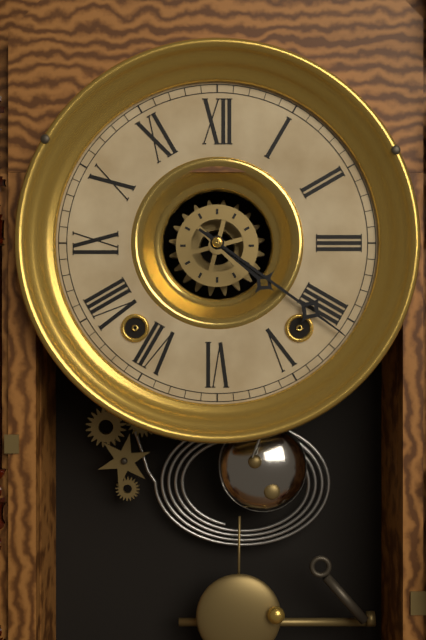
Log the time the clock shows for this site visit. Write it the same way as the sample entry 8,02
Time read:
4,21
